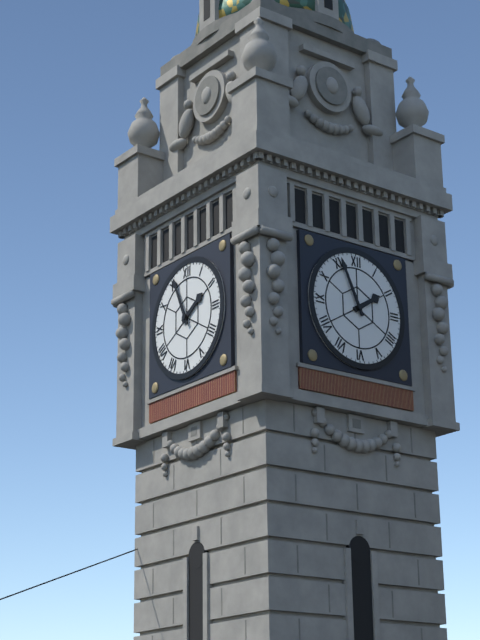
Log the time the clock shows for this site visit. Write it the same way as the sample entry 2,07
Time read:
1,56
